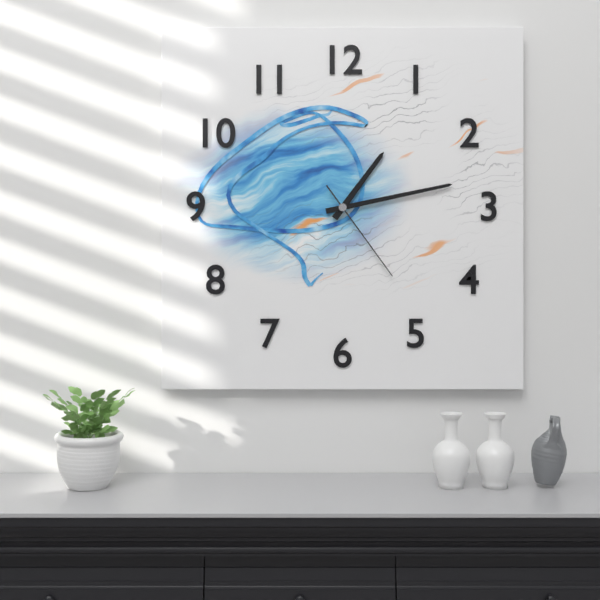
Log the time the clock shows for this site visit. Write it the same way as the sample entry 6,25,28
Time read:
1,13,24
